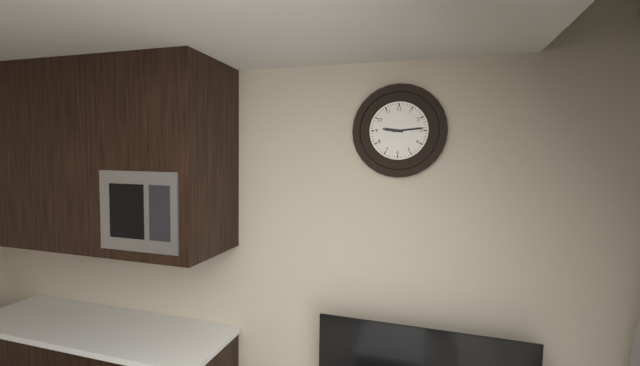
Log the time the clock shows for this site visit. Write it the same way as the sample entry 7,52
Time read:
9,14
